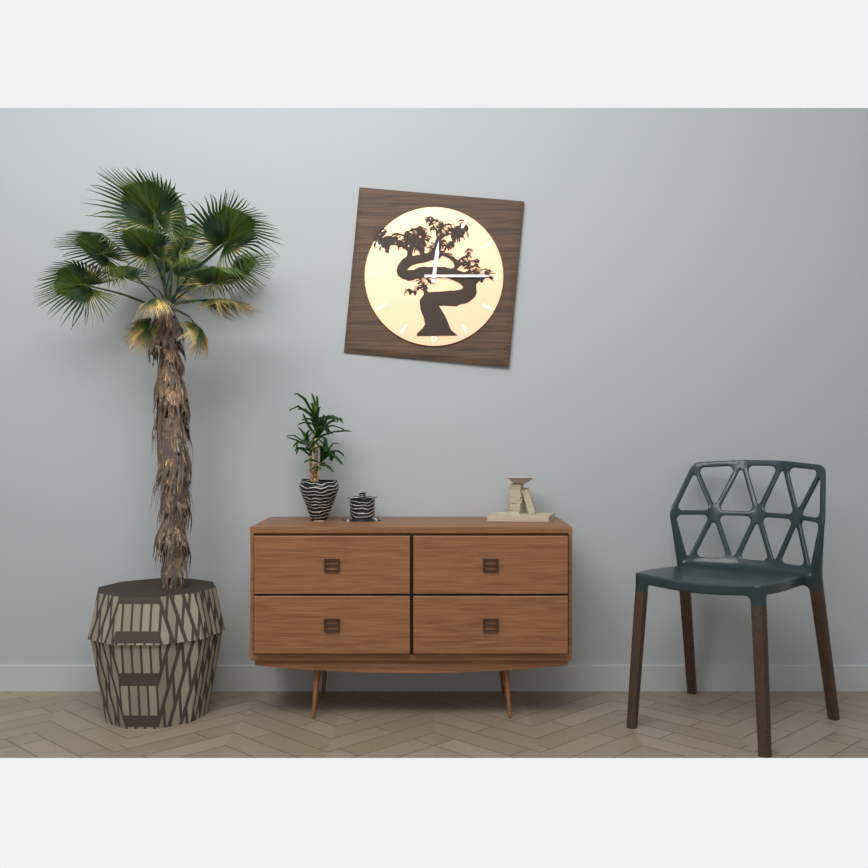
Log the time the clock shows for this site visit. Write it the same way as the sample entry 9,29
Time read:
12,15
